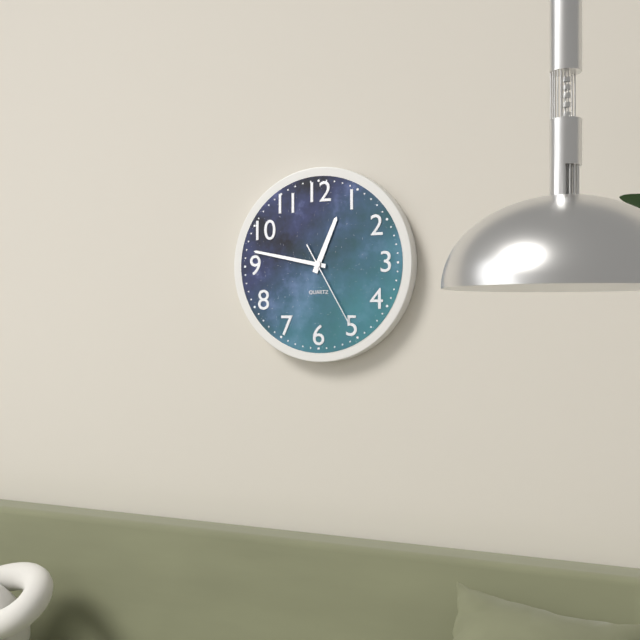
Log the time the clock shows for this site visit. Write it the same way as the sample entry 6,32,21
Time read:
12,47,25
